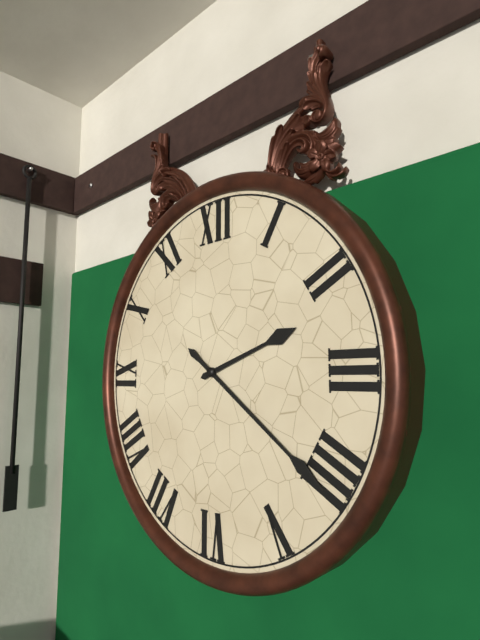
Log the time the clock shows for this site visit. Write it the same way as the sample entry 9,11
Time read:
2,21
